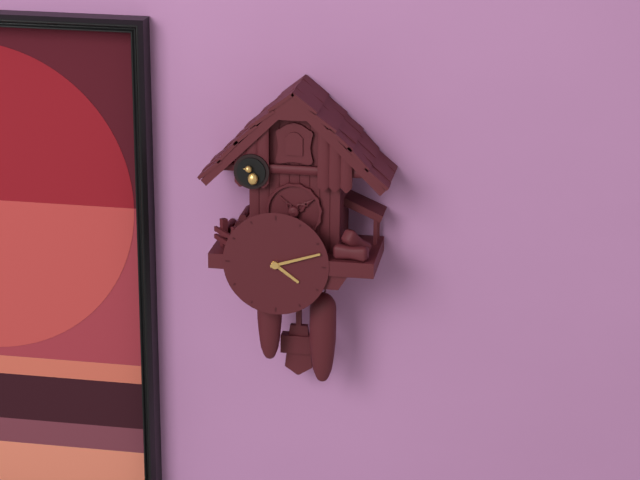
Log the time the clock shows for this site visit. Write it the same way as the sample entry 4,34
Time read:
4,12
